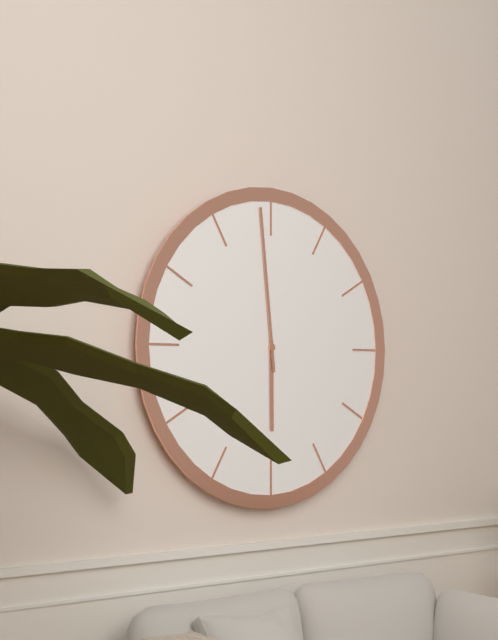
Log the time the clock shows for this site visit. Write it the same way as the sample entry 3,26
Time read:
5,59
